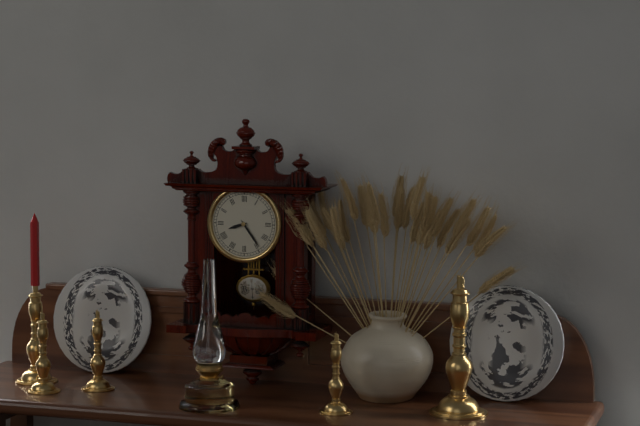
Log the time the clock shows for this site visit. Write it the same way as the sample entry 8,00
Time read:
8,24
